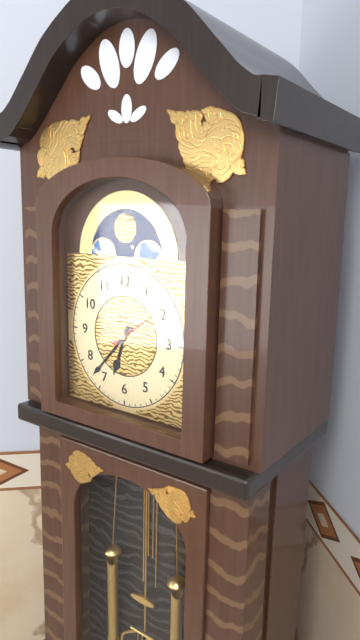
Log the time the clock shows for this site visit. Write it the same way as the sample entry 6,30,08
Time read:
6,37,09
